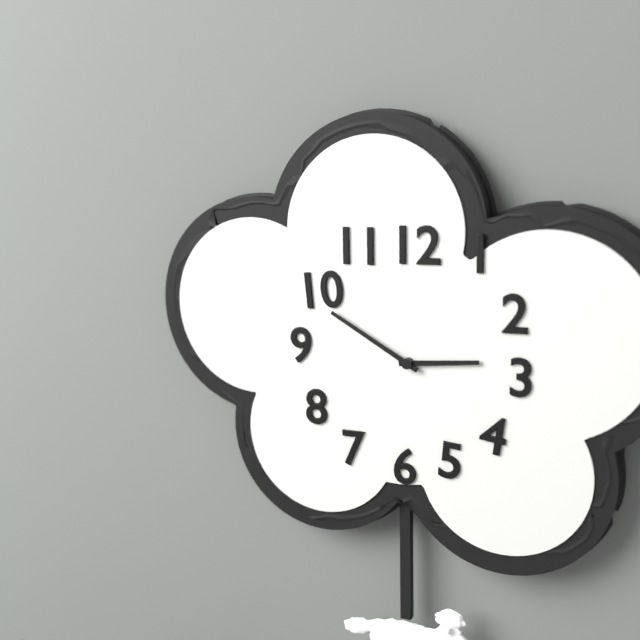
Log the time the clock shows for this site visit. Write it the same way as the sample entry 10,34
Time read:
2,50
